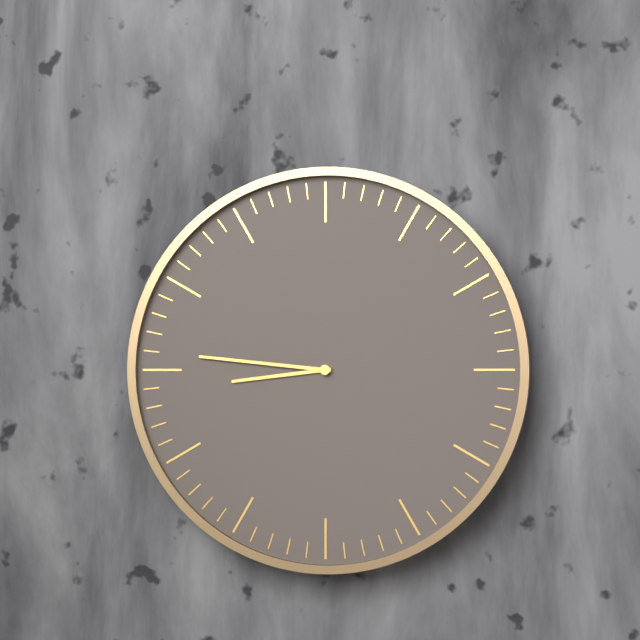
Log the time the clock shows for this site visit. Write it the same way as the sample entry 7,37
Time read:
8,46
